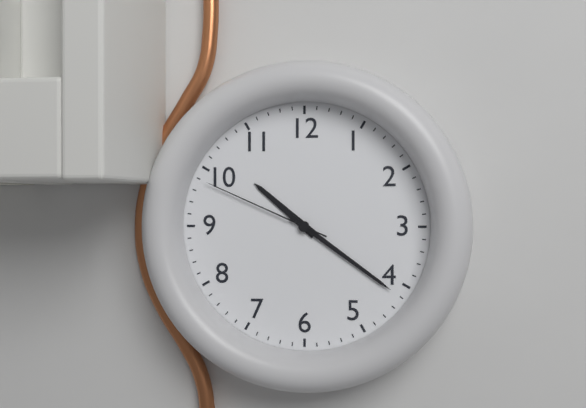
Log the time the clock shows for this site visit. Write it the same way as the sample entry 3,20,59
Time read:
10,21,49
